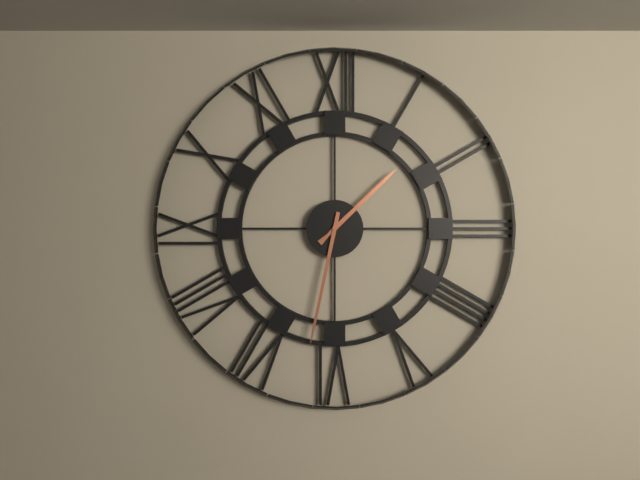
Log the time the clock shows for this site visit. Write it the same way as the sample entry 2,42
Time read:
1,32
